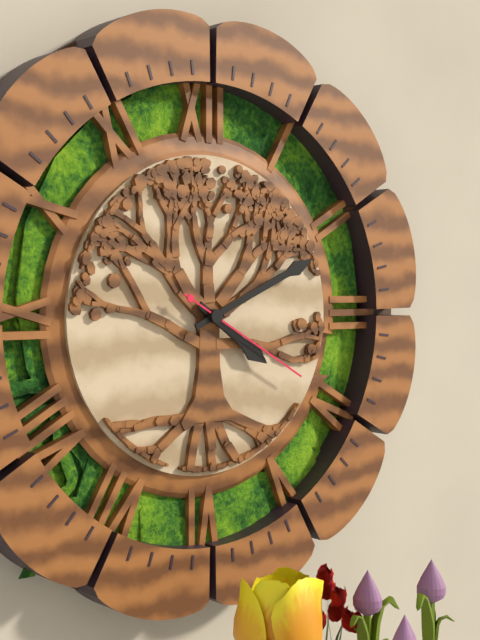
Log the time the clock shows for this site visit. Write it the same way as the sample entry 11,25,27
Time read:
4,11,20
